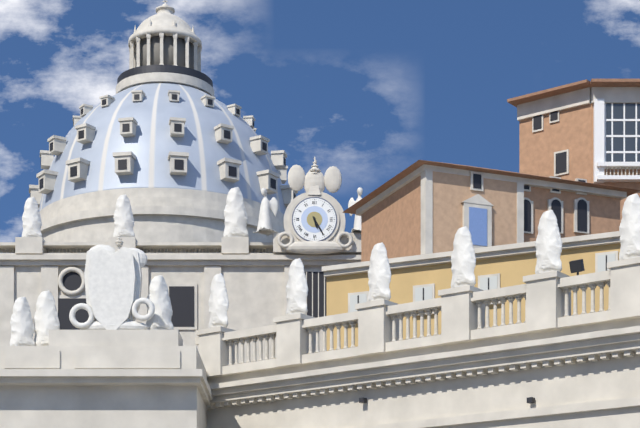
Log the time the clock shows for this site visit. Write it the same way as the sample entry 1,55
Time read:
5,25
